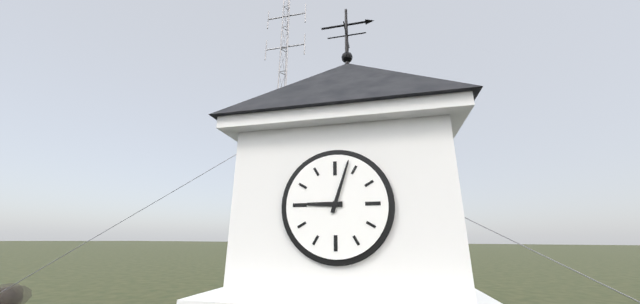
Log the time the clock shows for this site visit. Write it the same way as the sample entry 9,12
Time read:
9,03
